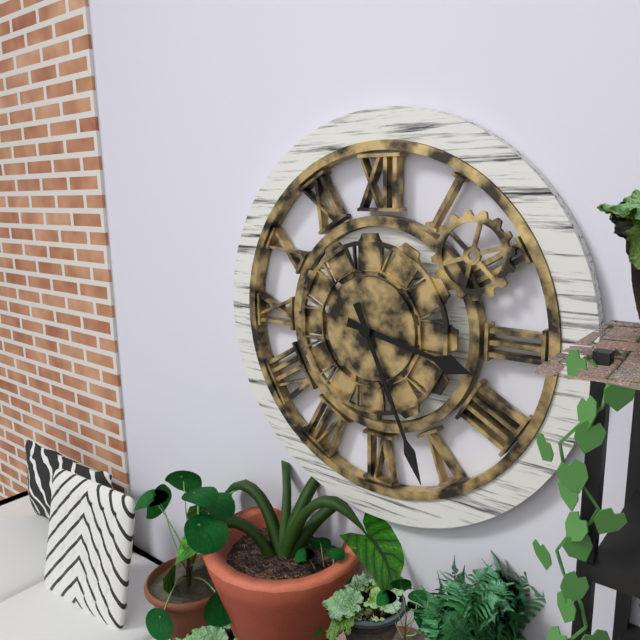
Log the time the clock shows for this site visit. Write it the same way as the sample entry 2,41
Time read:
3,26
